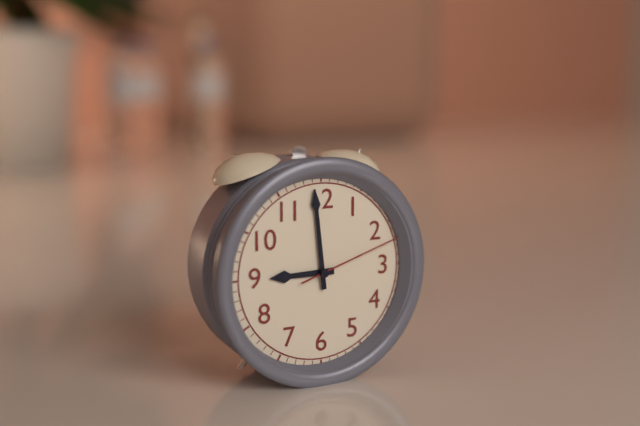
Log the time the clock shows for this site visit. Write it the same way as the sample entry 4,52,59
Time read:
8,59,12
